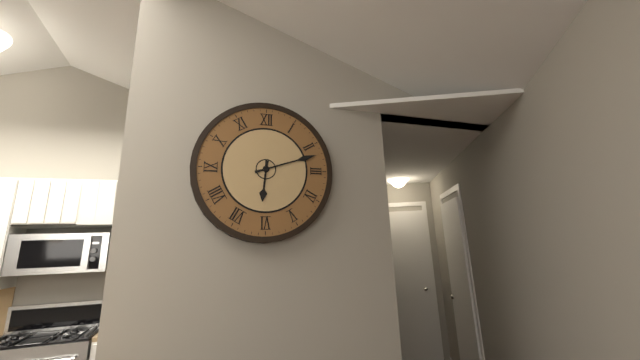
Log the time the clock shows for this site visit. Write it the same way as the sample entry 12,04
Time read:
6,12
